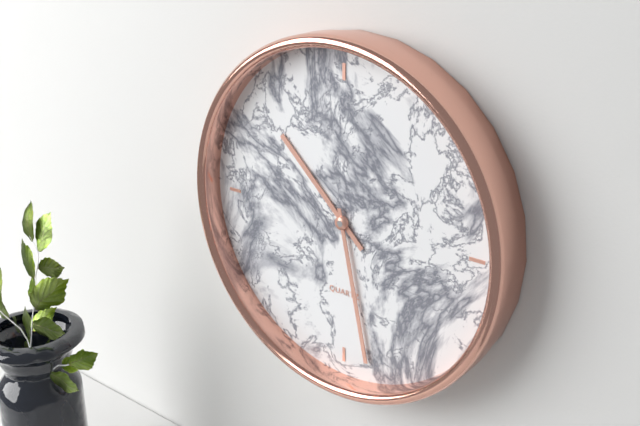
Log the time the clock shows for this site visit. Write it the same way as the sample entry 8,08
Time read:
10,28
